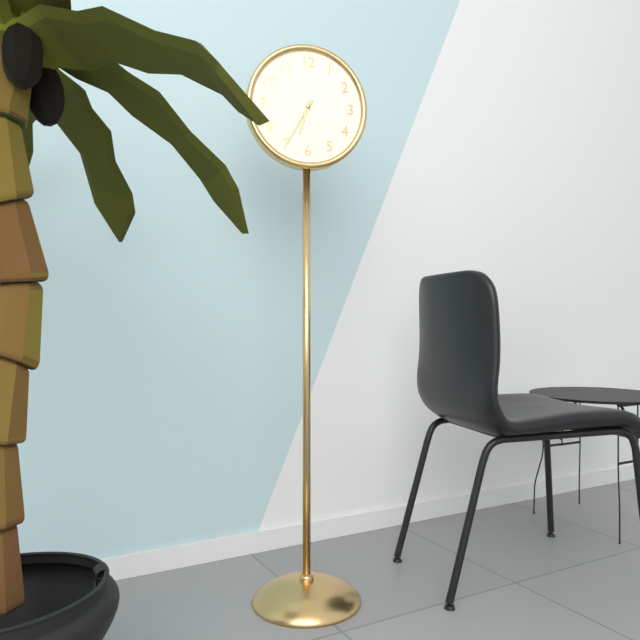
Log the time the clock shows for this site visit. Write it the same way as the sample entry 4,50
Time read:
6,35
